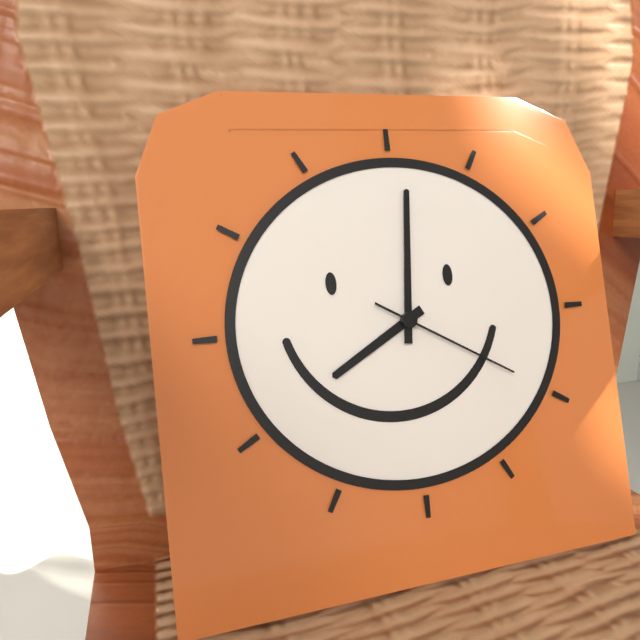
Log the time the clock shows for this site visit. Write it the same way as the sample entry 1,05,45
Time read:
8,01,20
